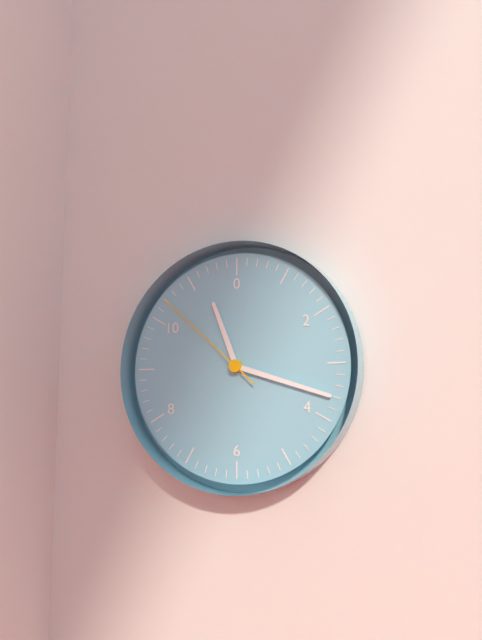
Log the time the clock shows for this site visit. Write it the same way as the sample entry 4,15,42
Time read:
11,18,52
